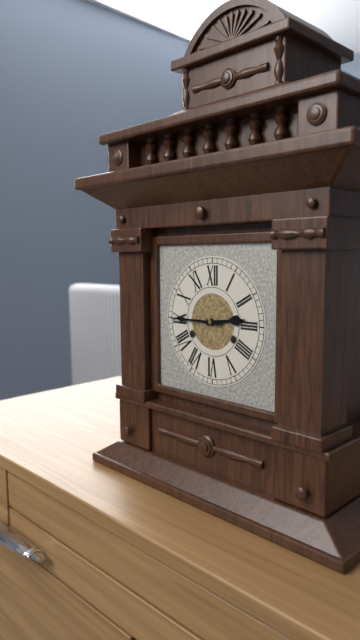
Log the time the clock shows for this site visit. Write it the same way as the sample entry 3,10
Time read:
2,45
